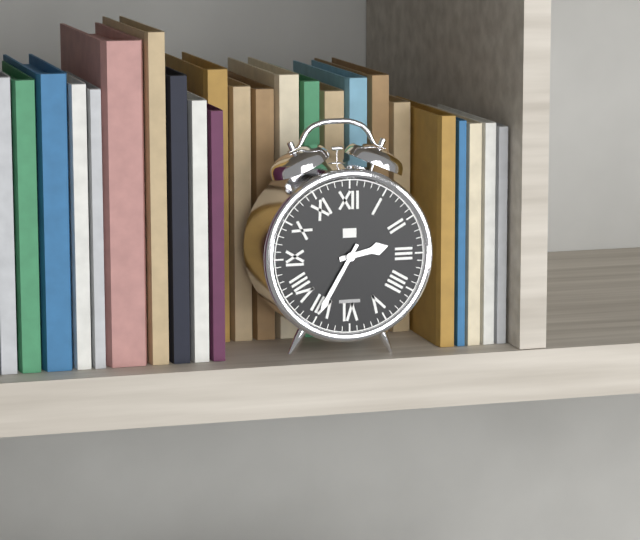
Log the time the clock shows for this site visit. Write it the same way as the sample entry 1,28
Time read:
2,35
